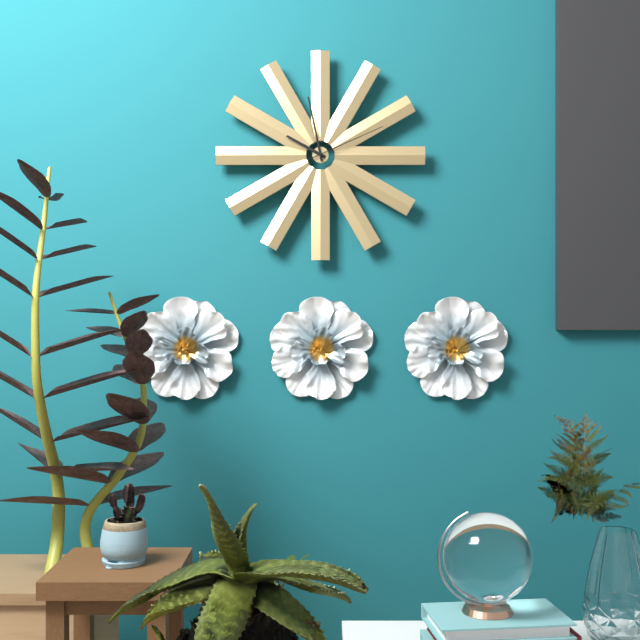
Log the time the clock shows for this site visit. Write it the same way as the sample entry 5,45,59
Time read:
9,58,11
